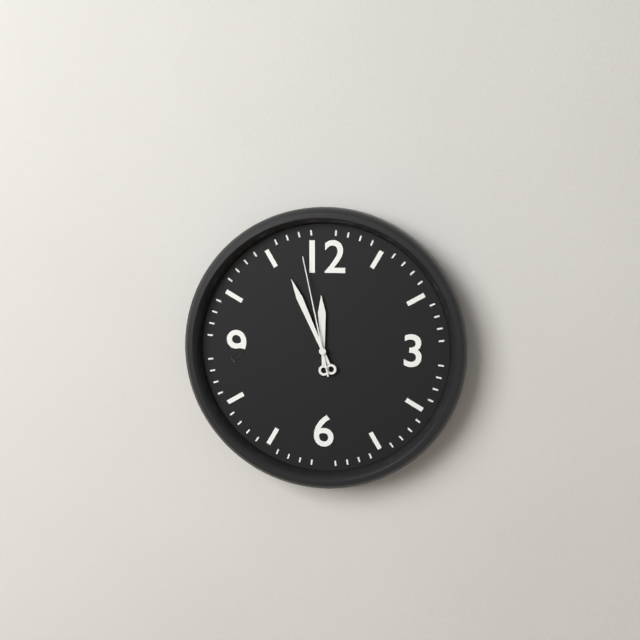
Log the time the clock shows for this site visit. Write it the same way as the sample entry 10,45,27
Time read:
11,56,58
